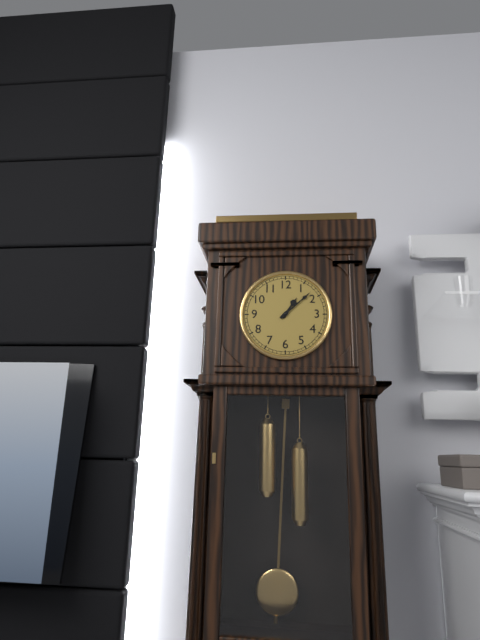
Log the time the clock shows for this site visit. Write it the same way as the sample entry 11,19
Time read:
1,08
